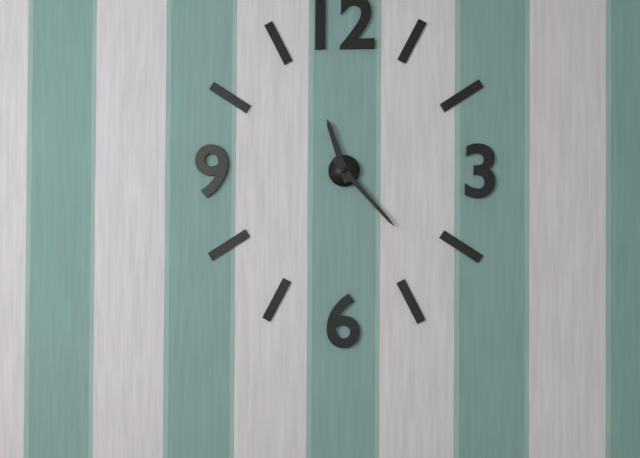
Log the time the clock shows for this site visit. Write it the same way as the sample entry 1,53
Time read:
11,23
